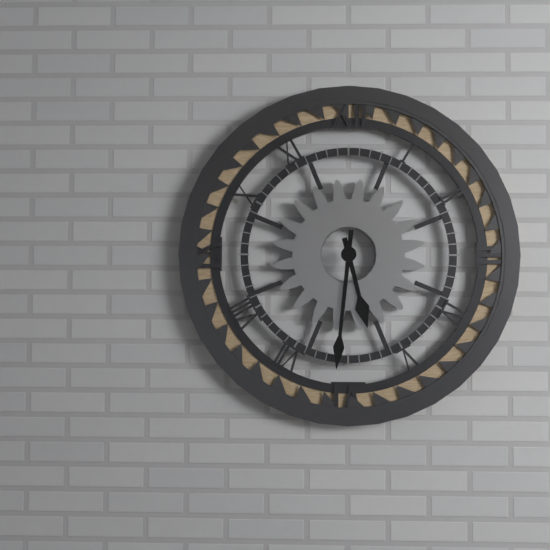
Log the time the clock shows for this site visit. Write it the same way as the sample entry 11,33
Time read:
5,31
